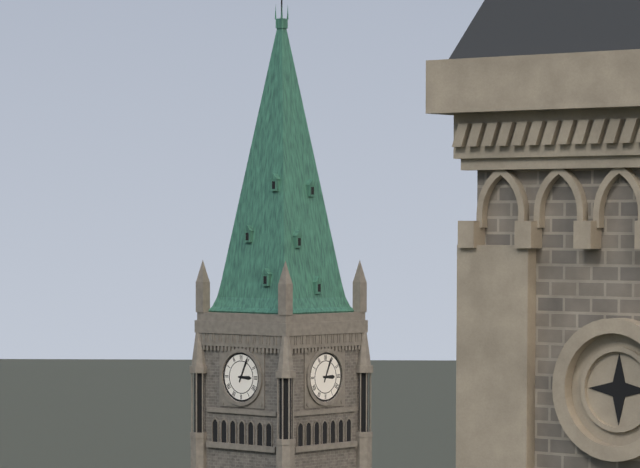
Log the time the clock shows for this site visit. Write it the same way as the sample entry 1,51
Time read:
3,04
